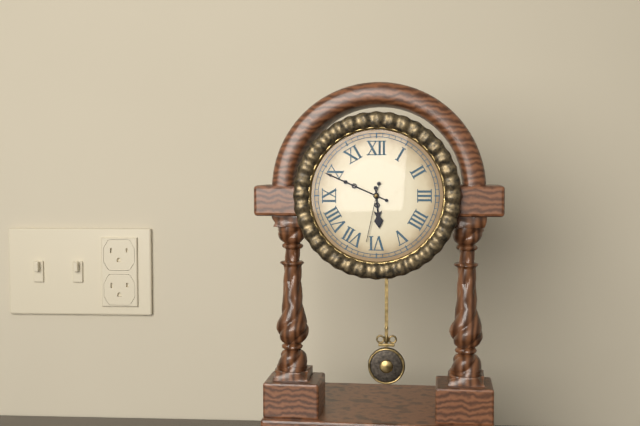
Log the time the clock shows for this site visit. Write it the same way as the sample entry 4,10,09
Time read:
5,49,32
